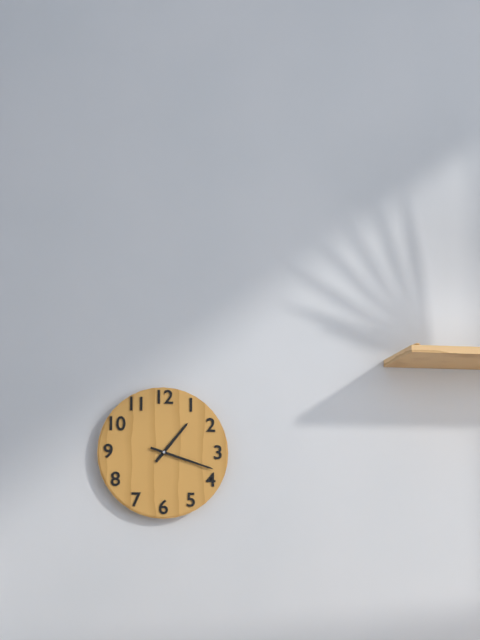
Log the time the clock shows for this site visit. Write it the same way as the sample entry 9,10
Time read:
1,18
